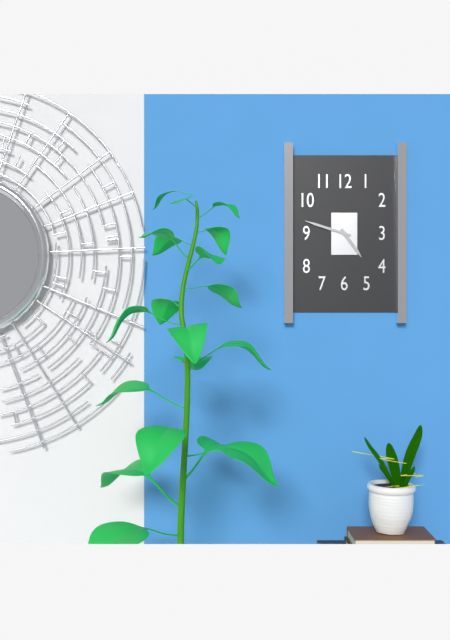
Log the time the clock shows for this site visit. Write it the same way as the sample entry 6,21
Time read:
4,48
